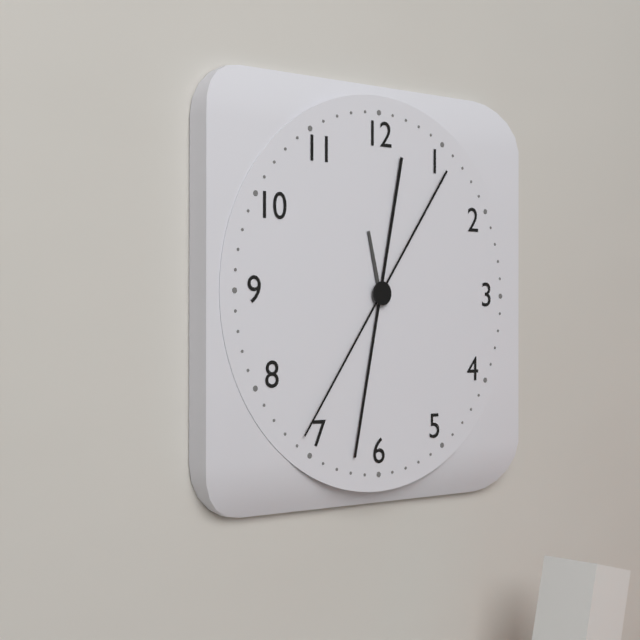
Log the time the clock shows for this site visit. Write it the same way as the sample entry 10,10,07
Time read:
11,32,36
